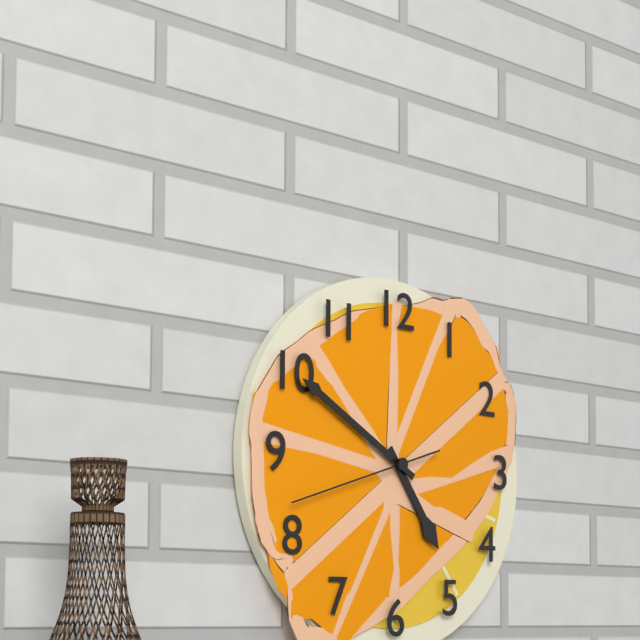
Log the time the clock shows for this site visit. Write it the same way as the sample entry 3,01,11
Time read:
4,50,42
